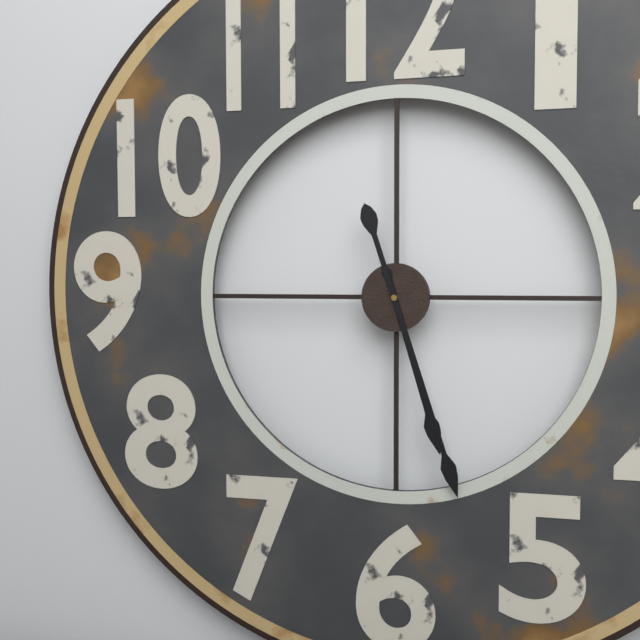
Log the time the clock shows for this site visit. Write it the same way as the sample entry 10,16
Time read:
5,27
